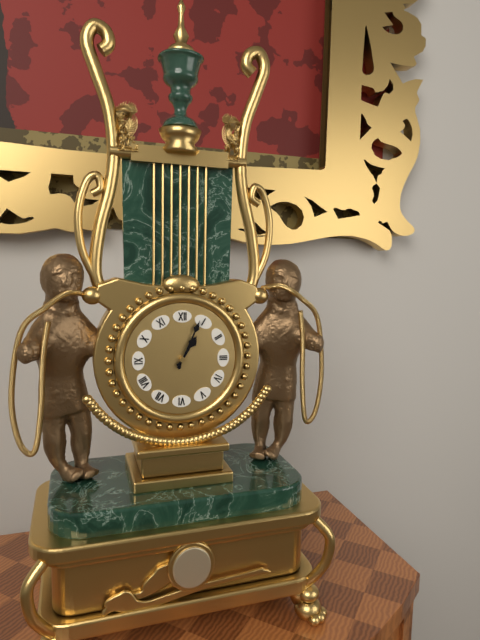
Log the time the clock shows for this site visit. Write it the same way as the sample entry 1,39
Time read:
1,04
